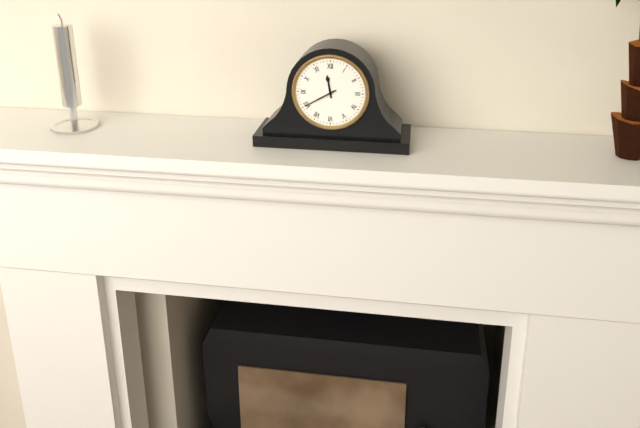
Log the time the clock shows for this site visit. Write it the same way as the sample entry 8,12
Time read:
11,40
